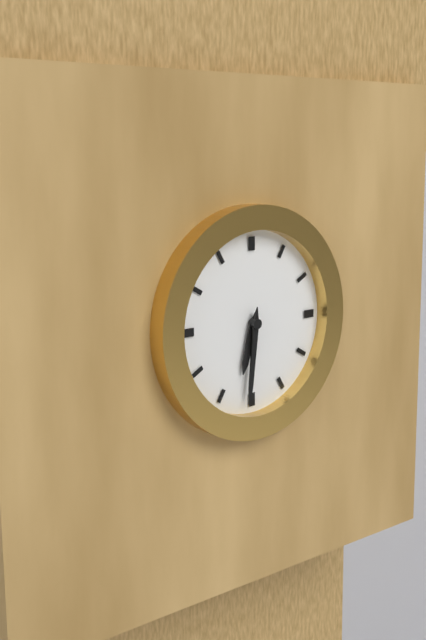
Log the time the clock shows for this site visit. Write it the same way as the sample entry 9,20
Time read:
6,31
